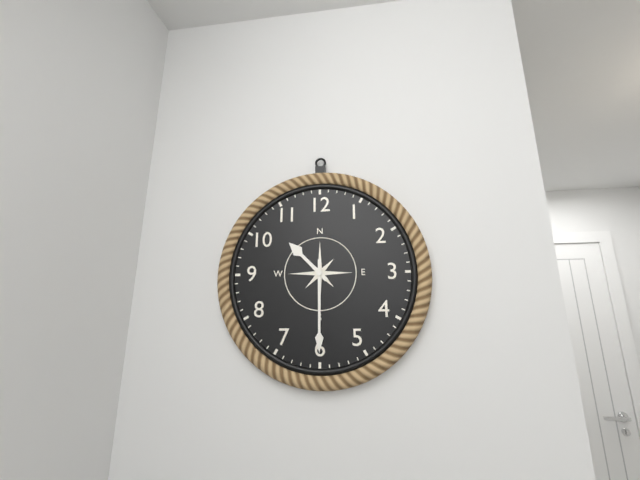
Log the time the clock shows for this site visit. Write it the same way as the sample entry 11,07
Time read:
10,30
